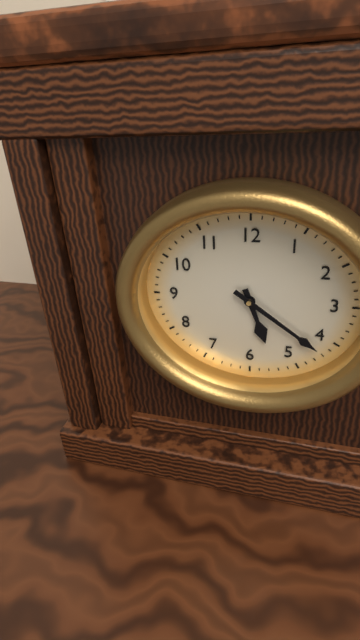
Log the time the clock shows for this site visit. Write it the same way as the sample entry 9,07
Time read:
5,21
